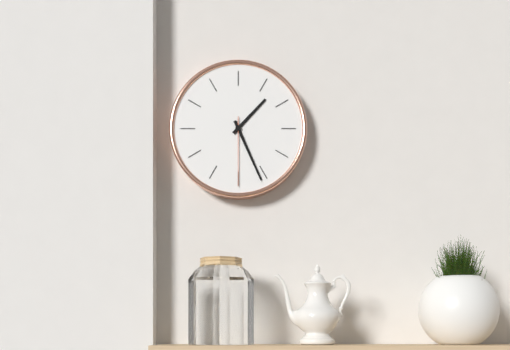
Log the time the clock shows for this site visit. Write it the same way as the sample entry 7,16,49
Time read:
1,26,30
